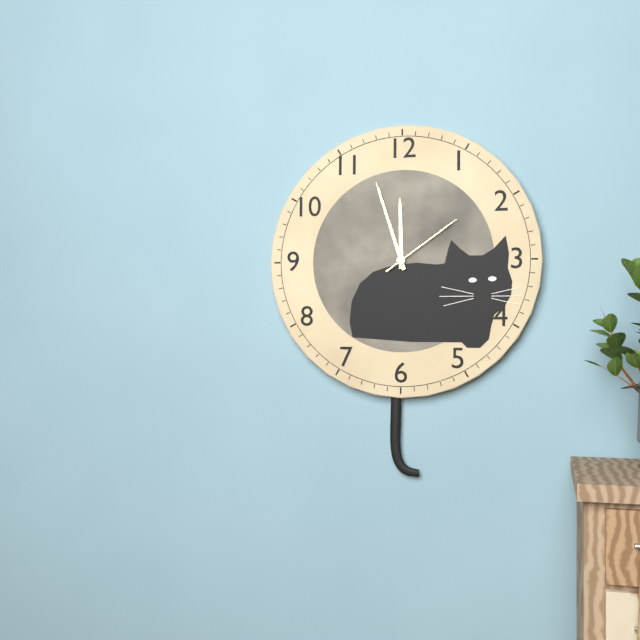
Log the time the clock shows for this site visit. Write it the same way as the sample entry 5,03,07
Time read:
11,57,09
